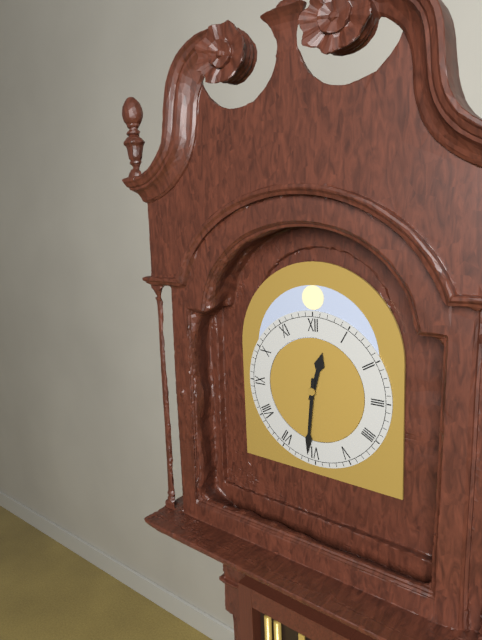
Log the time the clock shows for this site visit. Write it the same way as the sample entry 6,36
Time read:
12,31
